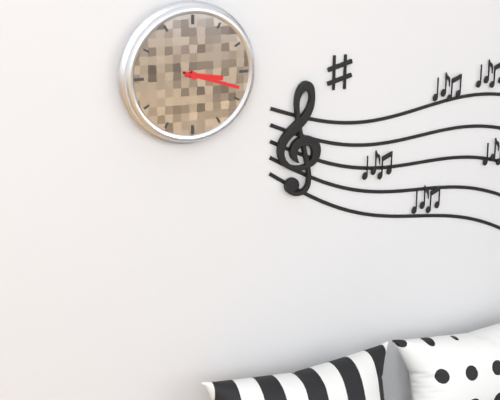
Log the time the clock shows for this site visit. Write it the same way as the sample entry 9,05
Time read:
3,18
